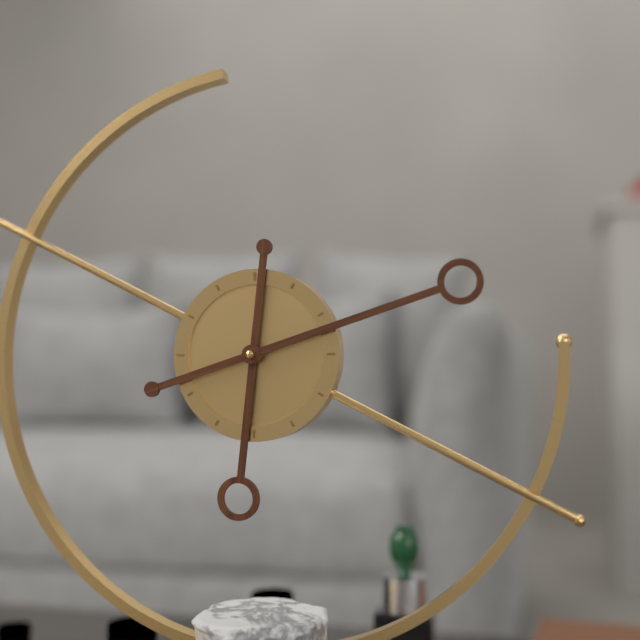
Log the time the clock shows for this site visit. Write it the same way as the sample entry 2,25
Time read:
6,12
